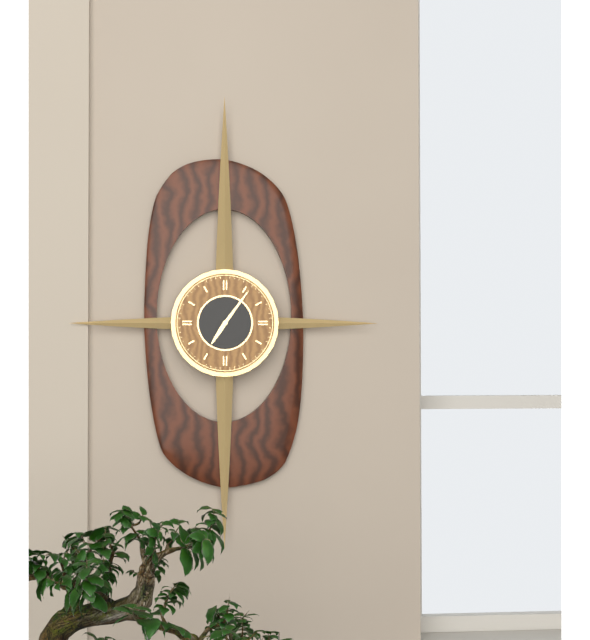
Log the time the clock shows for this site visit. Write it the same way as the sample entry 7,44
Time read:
7,06
